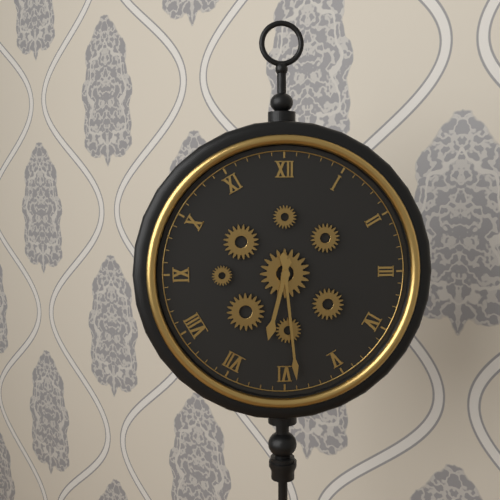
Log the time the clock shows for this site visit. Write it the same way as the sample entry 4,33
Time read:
6,29
